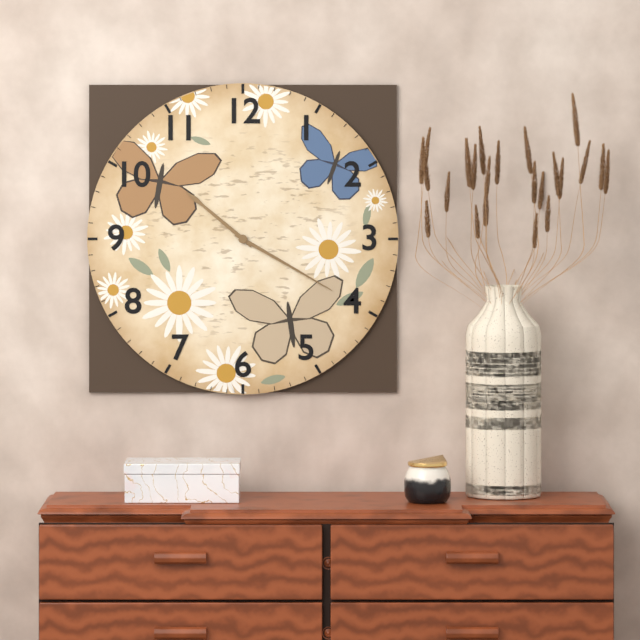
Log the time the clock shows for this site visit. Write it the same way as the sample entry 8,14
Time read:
10,20
